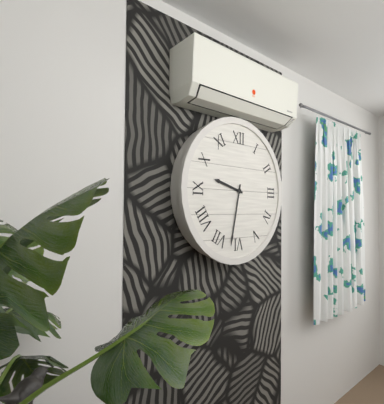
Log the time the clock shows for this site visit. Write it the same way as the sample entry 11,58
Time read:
9,32
